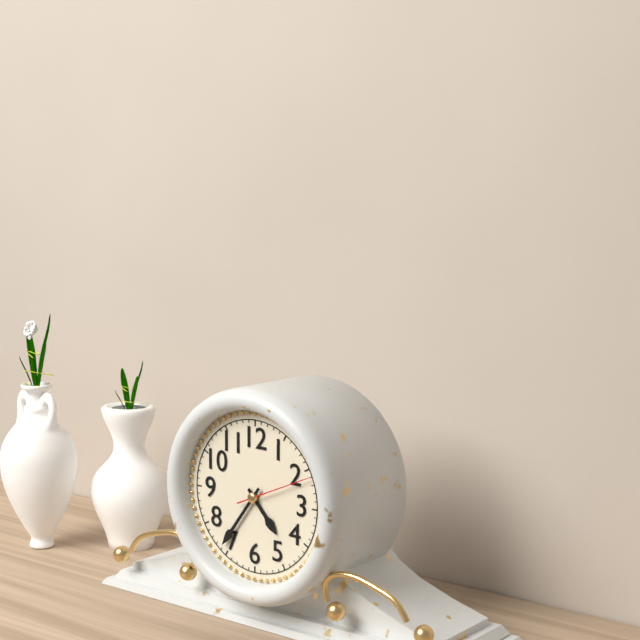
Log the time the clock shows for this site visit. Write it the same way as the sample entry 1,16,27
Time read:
4,36,11
